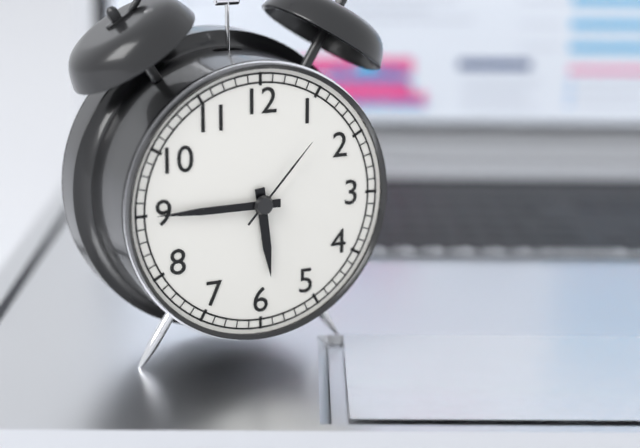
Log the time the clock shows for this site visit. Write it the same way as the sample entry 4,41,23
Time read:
5,45,07
